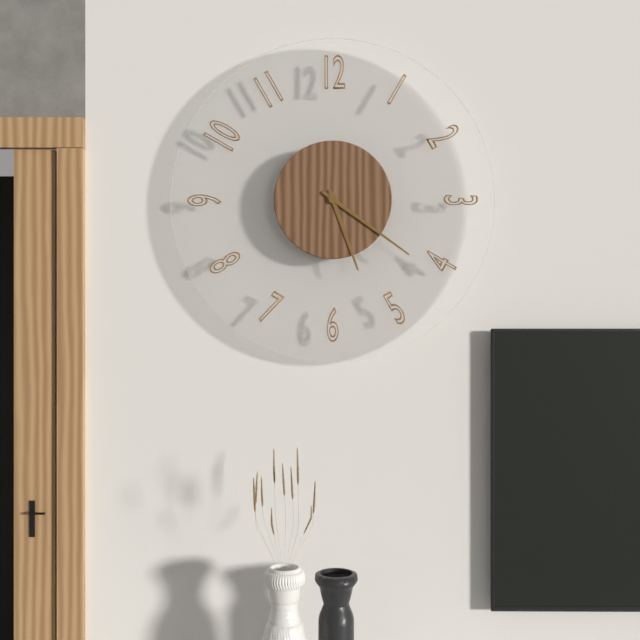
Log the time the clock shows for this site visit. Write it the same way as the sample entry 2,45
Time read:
5,21
